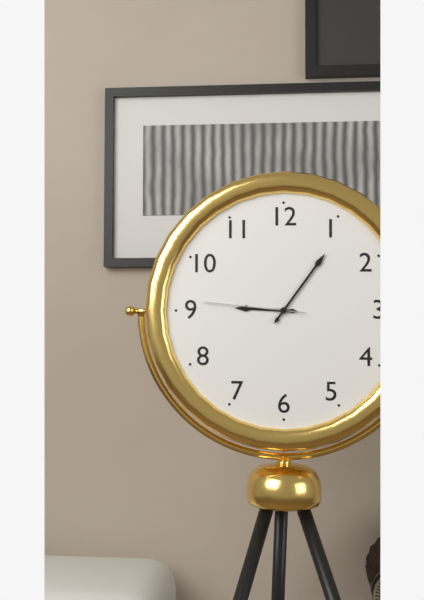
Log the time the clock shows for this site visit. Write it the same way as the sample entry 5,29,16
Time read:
9,06,46
